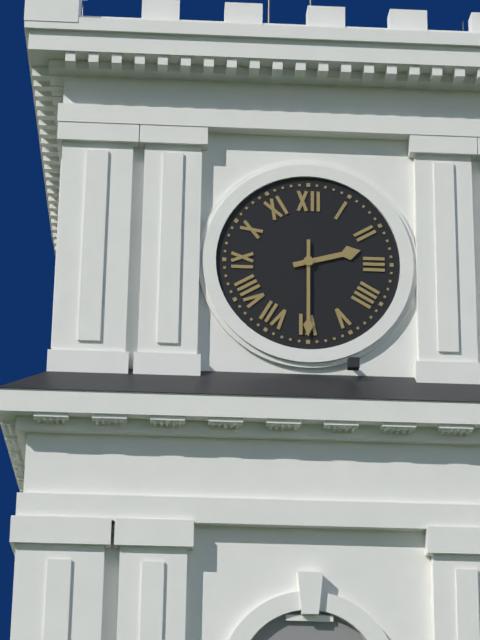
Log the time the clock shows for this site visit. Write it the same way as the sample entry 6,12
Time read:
2,30
